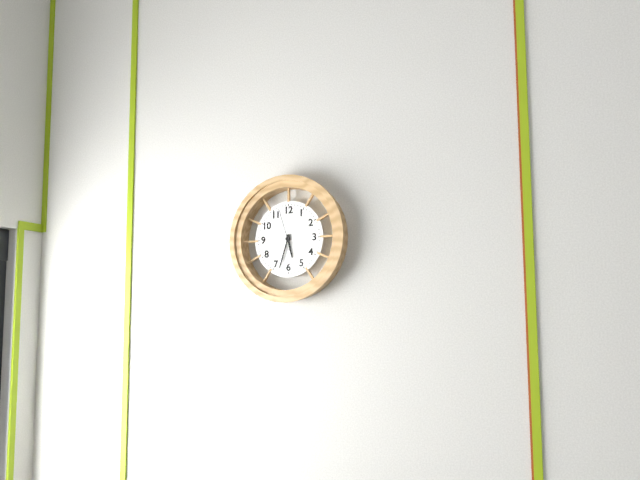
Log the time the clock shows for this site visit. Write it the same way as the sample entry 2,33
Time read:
5,33
